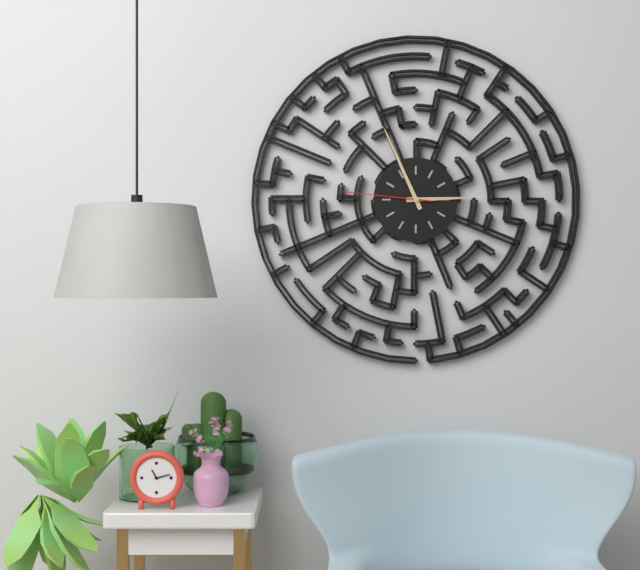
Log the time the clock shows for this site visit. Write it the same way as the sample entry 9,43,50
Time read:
2,56,46
